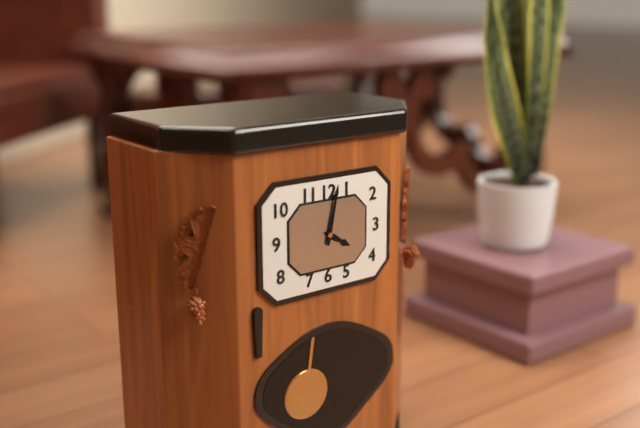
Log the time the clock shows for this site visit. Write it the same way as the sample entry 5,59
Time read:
4,02
